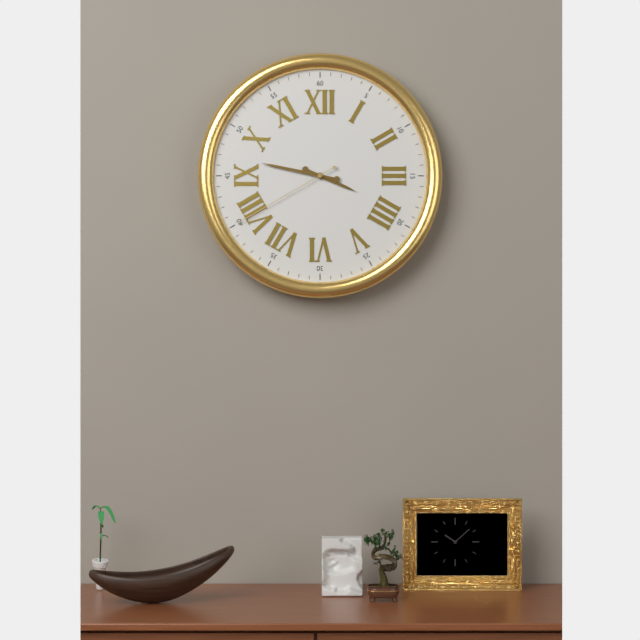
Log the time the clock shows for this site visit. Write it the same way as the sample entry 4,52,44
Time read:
3,47,40
